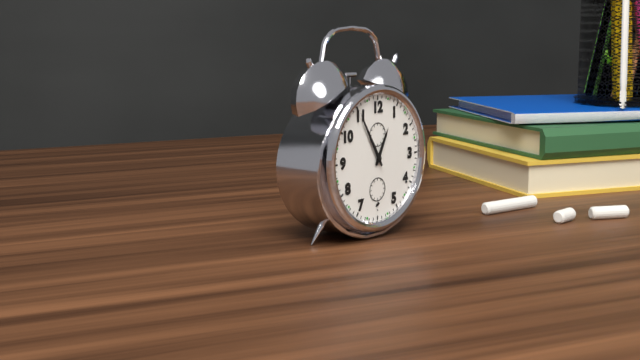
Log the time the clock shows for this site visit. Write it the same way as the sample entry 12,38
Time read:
12,55
